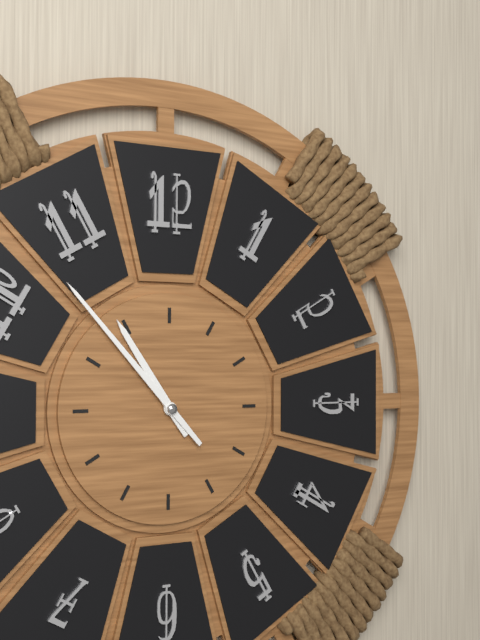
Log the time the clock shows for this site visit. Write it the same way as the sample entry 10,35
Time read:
10,53
